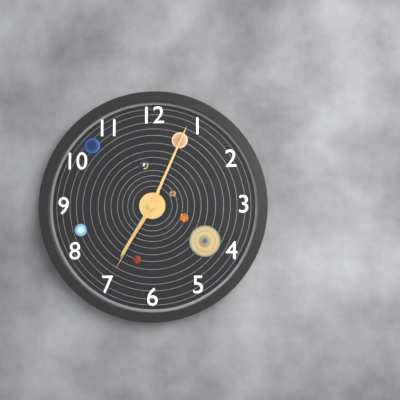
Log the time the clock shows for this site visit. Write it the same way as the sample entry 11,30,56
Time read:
7,04,35
